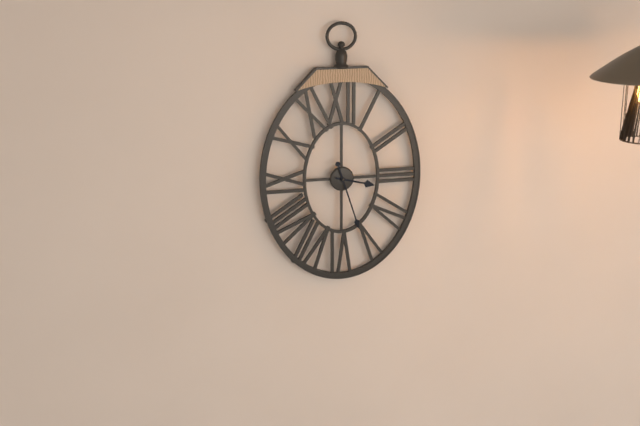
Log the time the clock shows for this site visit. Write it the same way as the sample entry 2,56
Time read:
3,27
